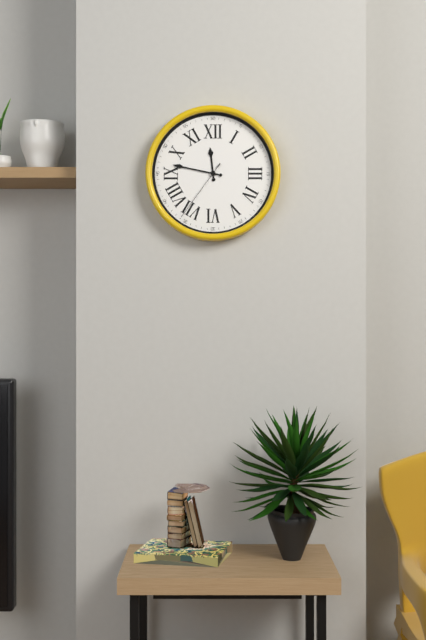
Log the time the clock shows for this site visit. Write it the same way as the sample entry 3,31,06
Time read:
11,47,36
